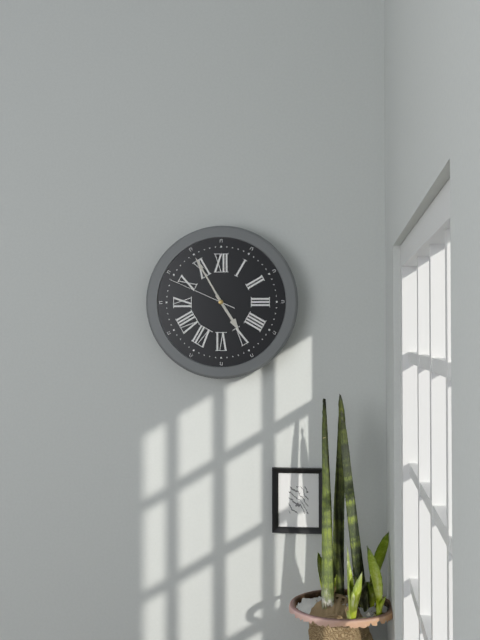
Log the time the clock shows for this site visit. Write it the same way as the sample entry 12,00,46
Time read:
4,55,49
